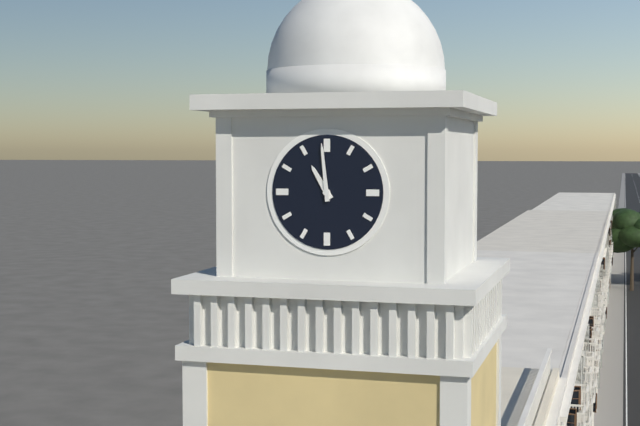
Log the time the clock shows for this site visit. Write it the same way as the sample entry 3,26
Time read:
10,59
